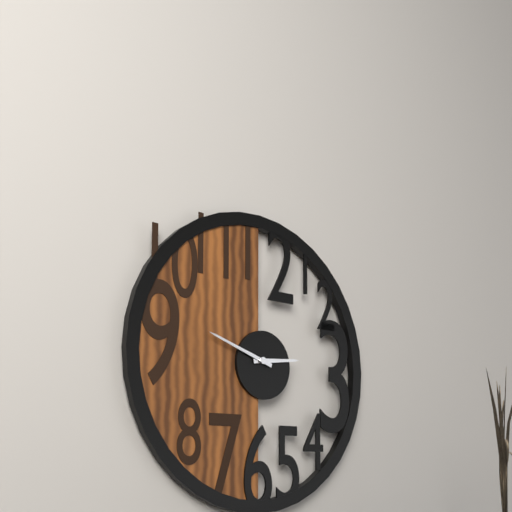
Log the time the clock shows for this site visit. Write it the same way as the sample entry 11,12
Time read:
2,48
